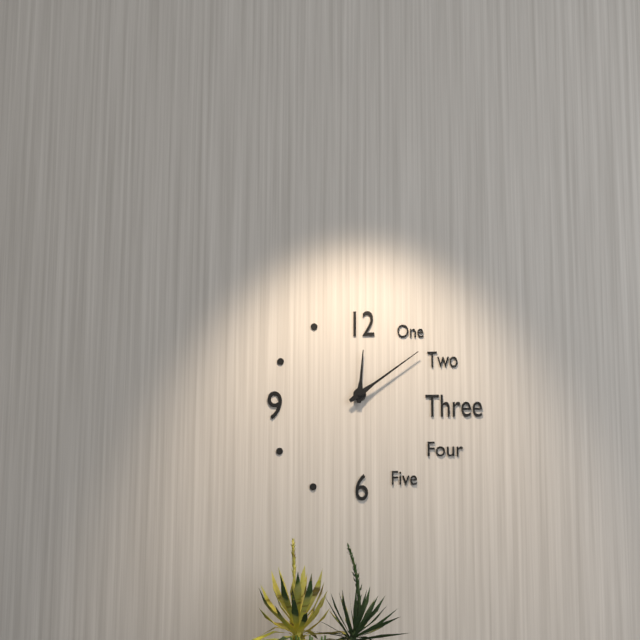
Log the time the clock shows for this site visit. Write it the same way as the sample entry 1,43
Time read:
12,09
